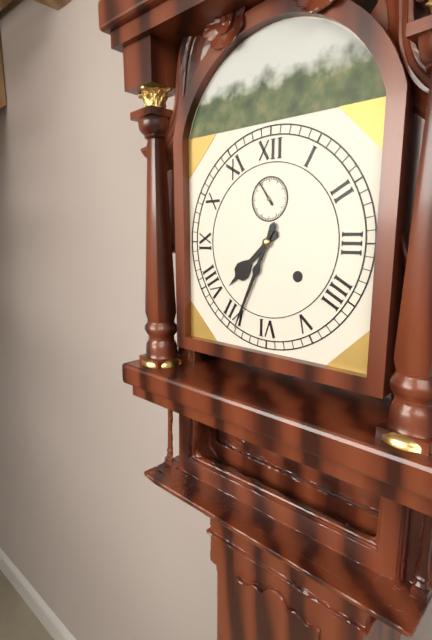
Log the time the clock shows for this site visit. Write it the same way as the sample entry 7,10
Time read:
7,34
